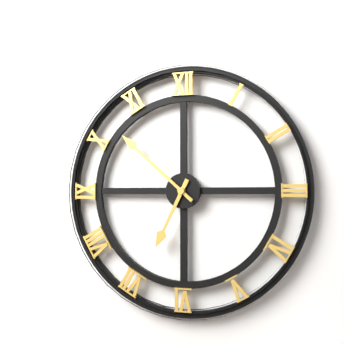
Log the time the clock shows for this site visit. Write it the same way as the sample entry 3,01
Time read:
6,52
